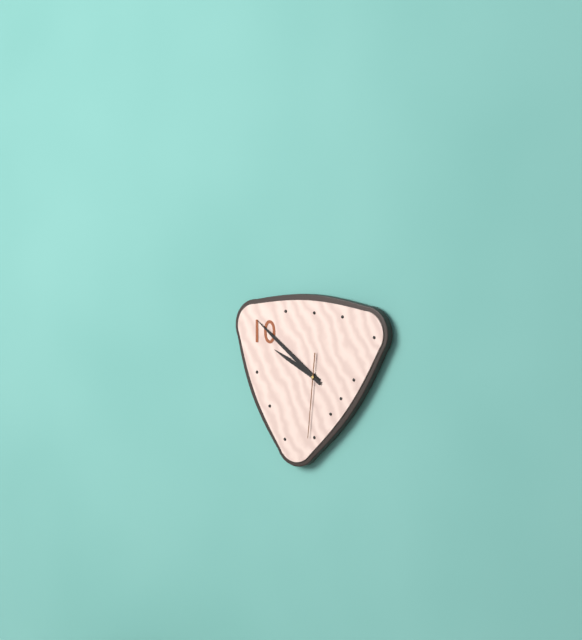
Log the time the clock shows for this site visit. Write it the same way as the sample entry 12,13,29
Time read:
9,51,31
